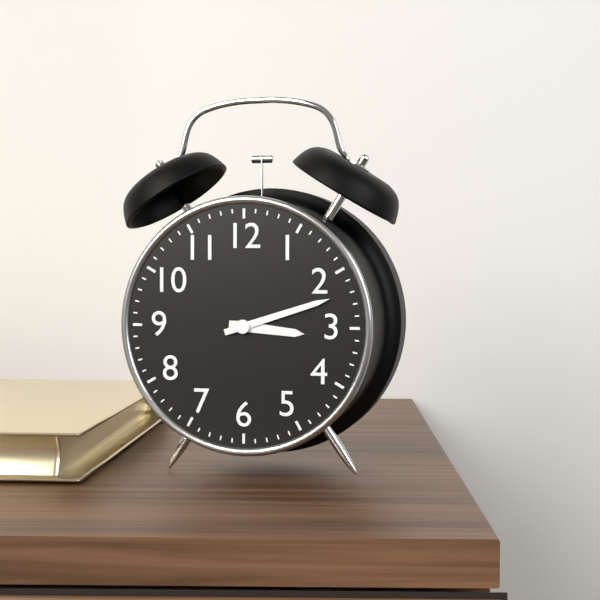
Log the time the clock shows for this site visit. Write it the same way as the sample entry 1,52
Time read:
3,12
